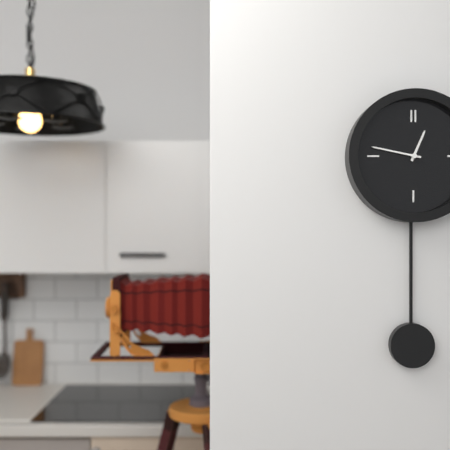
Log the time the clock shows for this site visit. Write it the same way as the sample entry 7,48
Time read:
12,47
